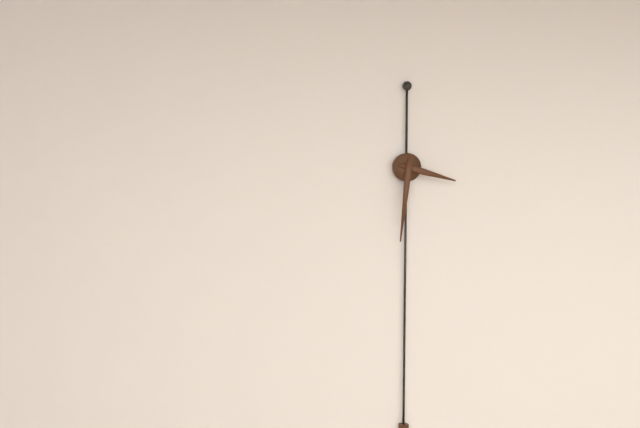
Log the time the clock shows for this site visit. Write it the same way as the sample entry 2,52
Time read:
3,31
